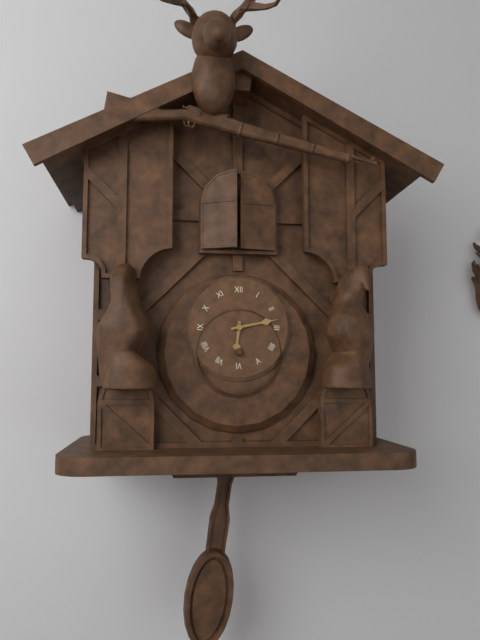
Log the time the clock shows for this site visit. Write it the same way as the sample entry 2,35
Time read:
6,13
